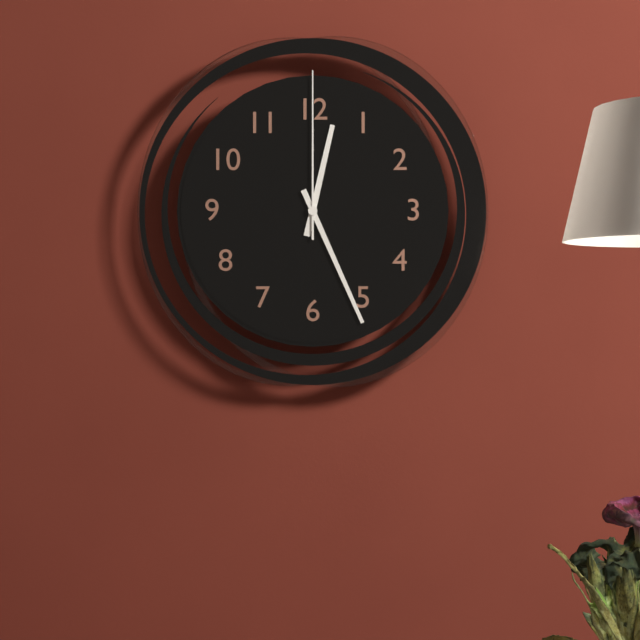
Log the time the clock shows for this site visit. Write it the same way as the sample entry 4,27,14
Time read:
12,26,00
